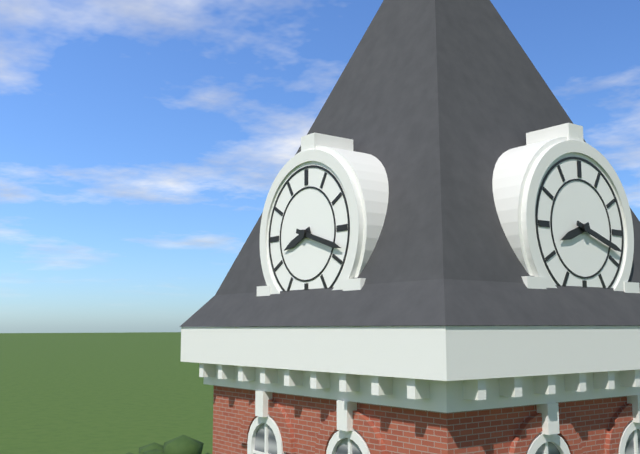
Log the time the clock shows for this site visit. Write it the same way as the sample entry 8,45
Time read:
8,18
